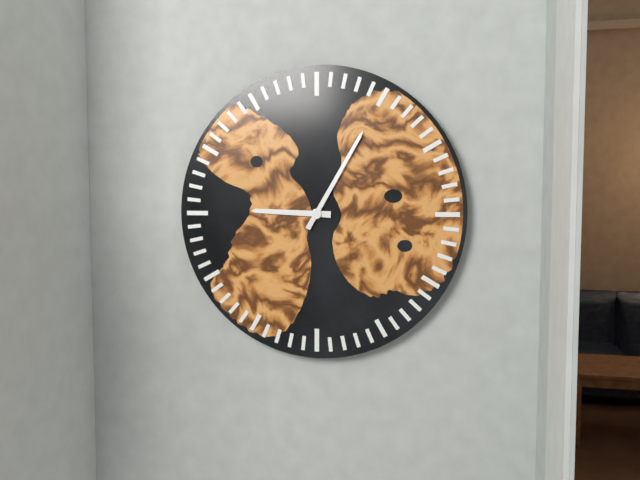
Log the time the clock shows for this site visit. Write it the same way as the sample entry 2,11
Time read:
9,05
